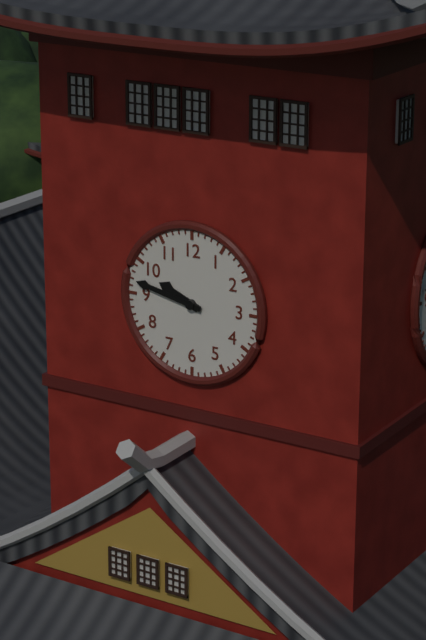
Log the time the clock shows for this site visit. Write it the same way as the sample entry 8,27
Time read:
9,47
